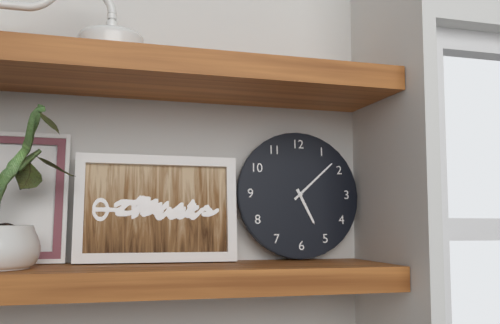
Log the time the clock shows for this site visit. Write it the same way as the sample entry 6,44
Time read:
5,08
